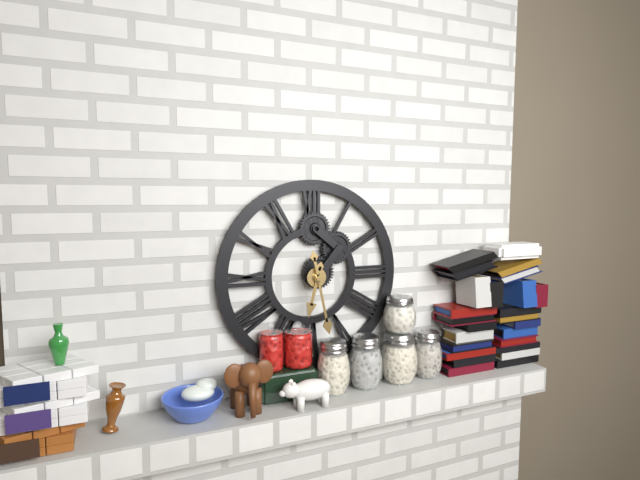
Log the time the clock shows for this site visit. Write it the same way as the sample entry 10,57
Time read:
6,28
